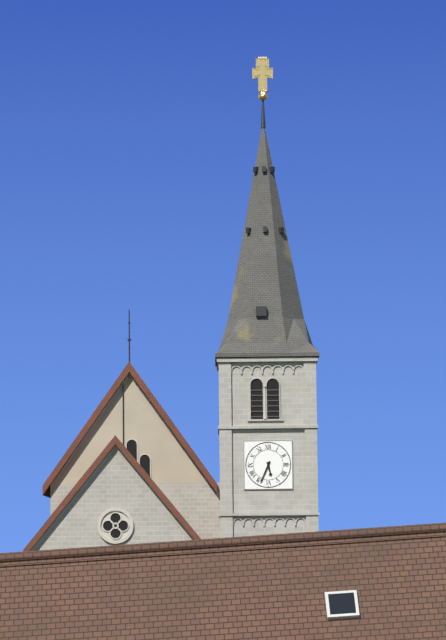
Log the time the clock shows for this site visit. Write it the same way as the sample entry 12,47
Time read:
5,34
